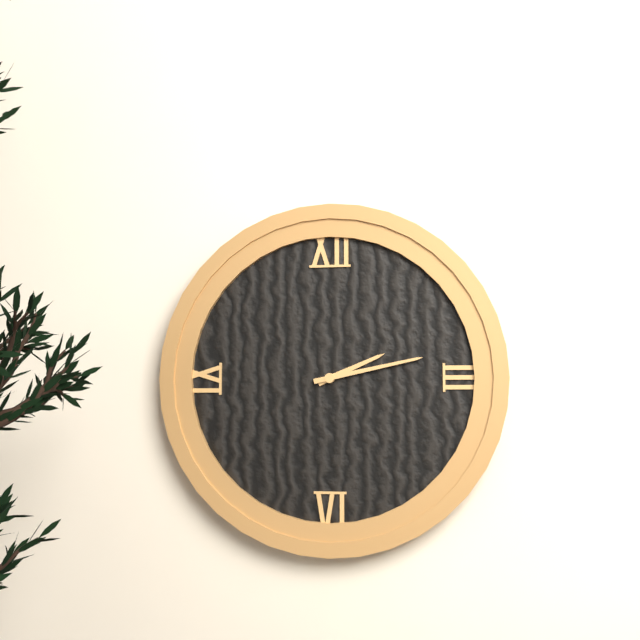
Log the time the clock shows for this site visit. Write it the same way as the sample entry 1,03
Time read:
2,13
